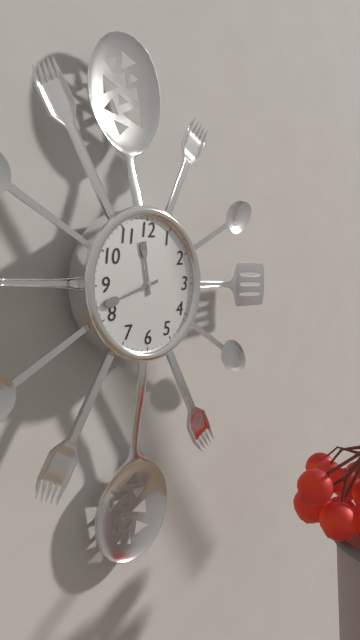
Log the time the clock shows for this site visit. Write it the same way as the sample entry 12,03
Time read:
11,42
